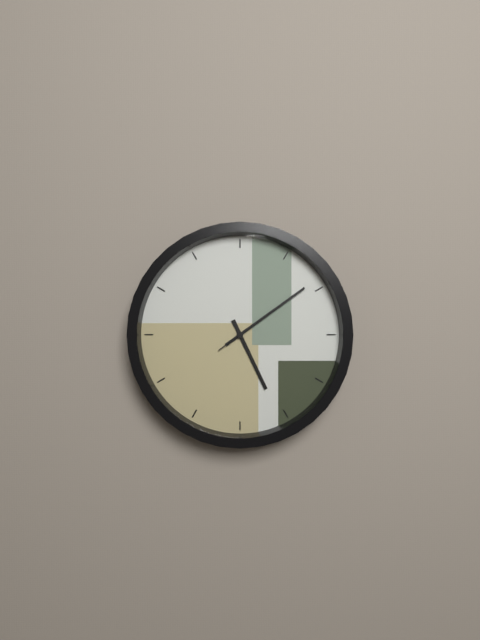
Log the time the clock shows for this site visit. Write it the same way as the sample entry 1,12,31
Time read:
5,09,09
